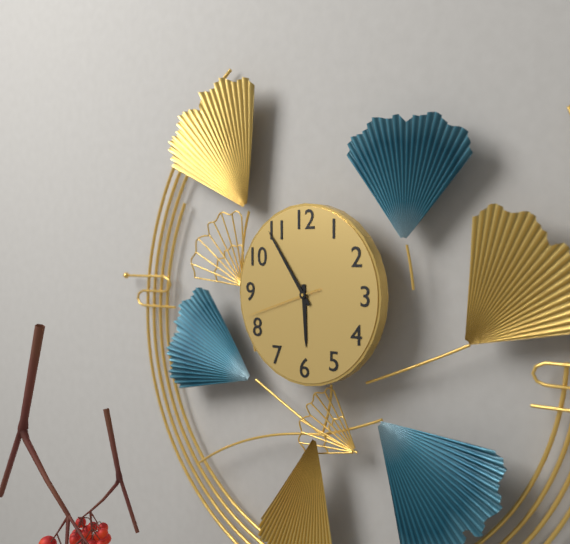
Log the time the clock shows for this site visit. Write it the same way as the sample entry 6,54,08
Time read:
5,54,42
